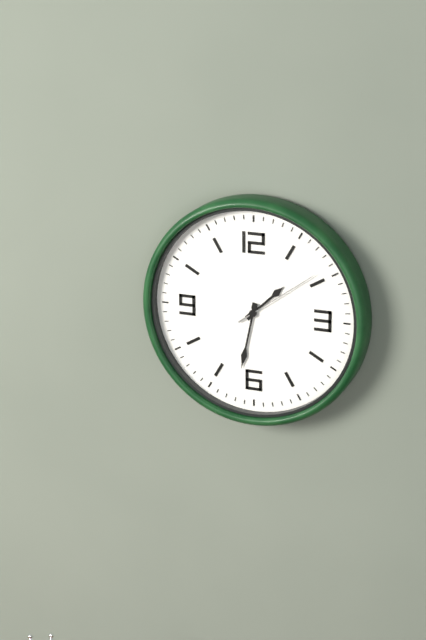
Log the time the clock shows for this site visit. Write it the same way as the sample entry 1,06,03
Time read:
1,32,09
